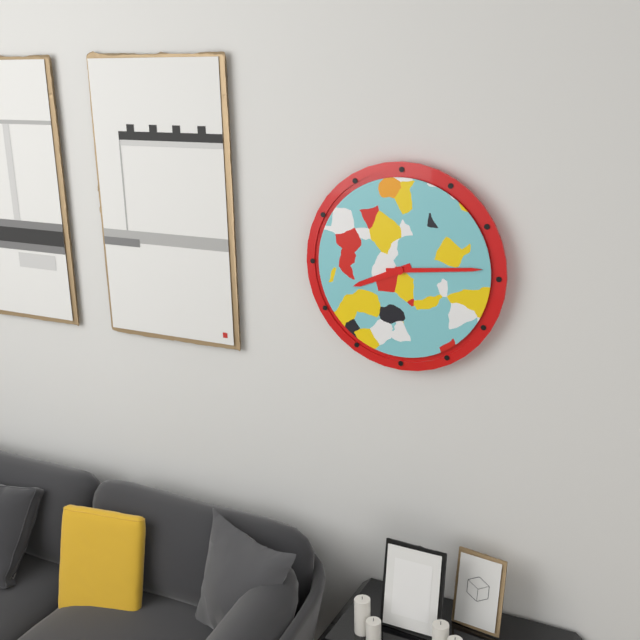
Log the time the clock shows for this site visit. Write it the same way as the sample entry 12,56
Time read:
8,14
